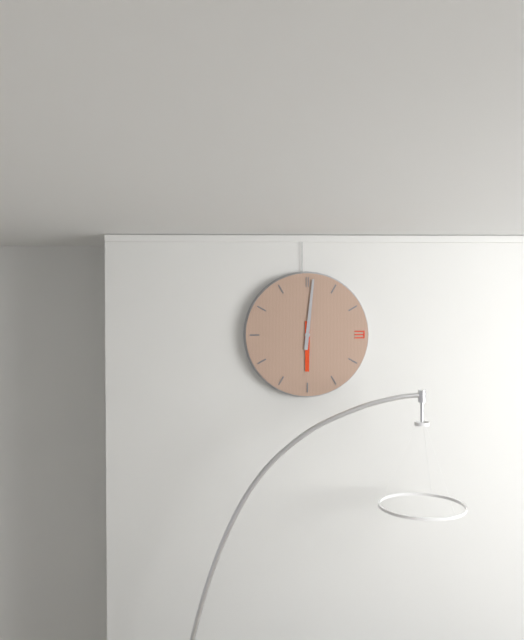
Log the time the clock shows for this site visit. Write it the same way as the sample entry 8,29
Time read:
6,01
